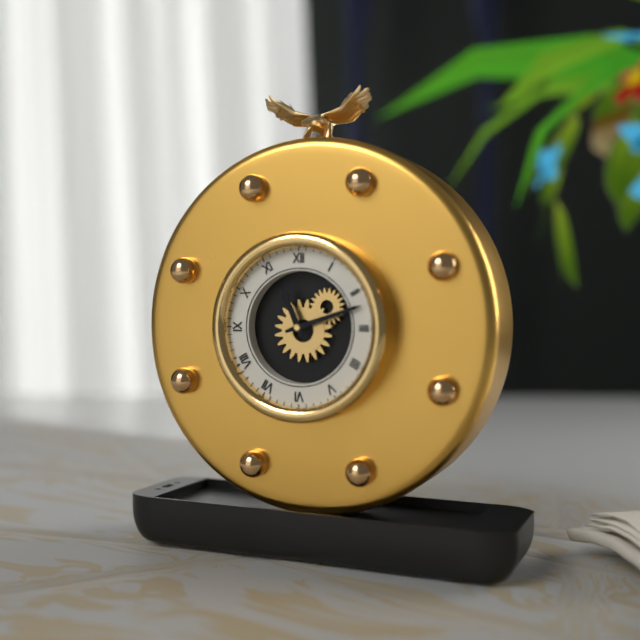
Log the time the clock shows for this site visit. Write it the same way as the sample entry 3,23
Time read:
11,12
